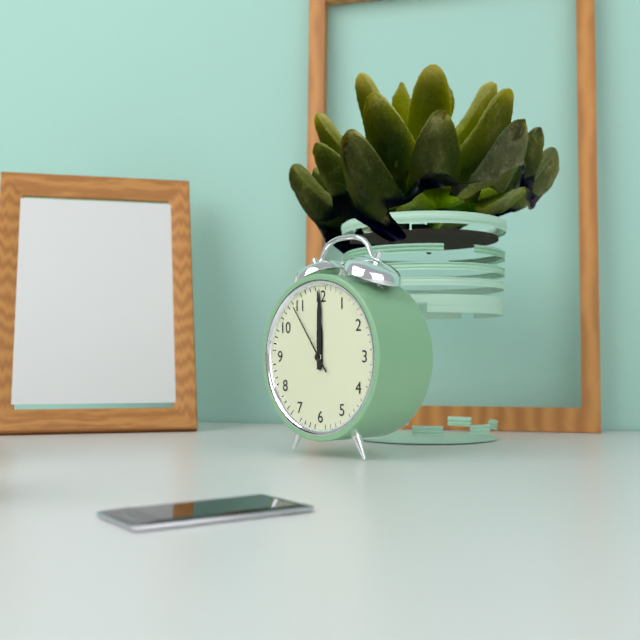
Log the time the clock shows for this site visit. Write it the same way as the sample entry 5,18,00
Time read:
12,00,54
